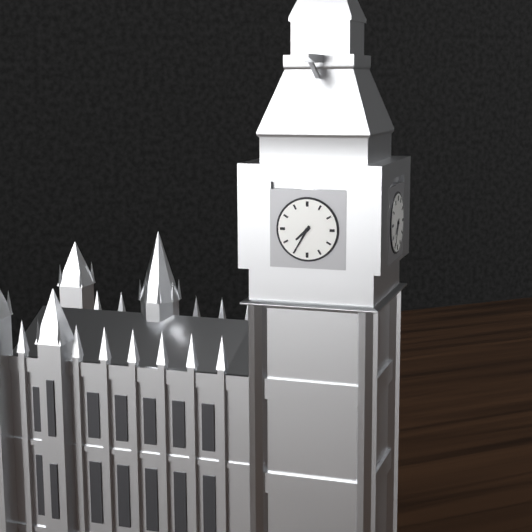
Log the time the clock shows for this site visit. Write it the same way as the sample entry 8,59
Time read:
7,35
